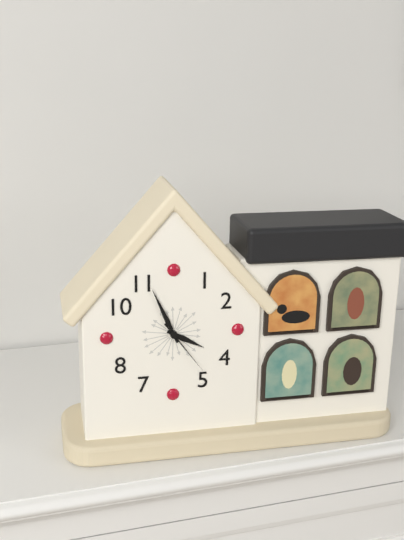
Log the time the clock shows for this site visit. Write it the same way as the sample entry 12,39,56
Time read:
3,56,24
